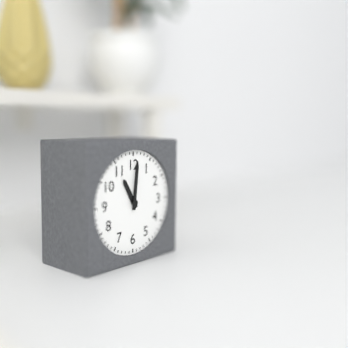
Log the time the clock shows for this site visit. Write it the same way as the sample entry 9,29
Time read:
11,01
